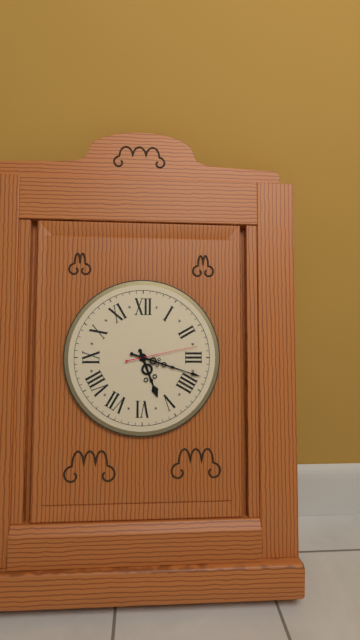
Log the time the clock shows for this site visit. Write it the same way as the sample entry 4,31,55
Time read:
5,18,13
